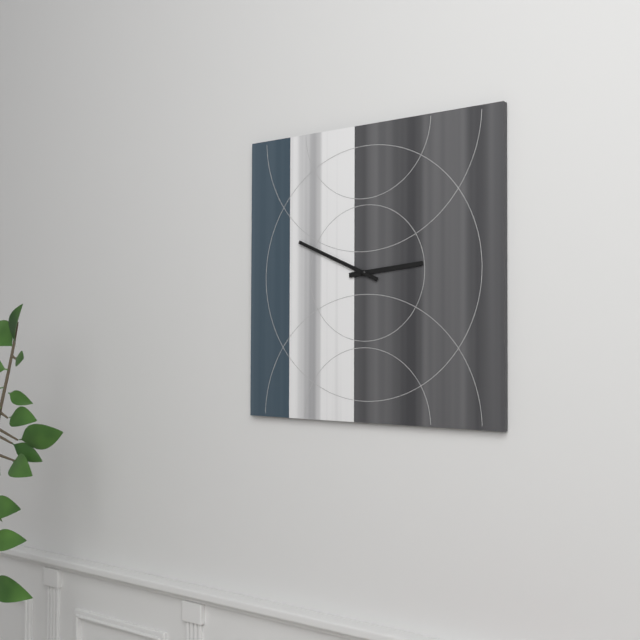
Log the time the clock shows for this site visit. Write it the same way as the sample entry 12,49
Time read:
2,49
